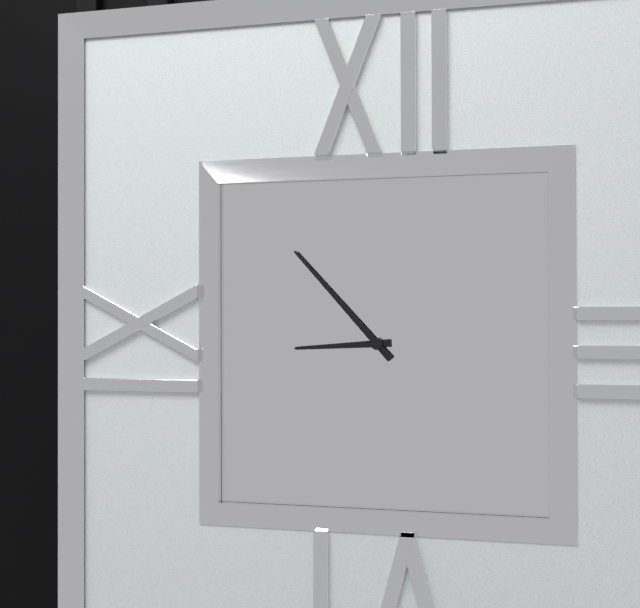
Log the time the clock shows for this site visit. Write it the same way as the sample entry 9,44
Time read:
8,53
